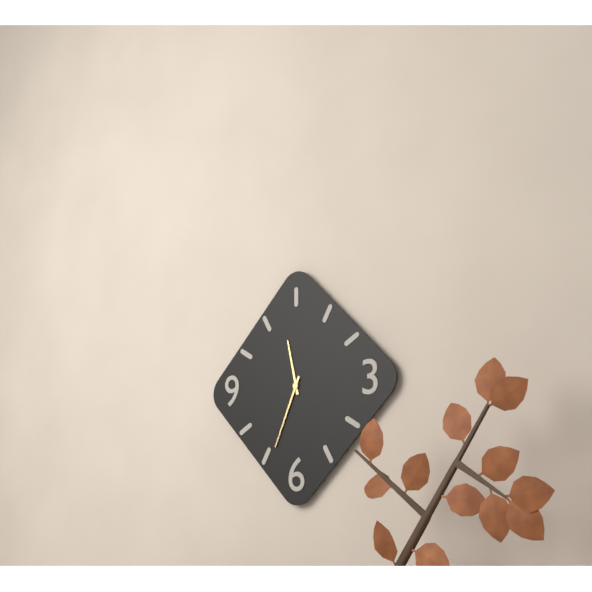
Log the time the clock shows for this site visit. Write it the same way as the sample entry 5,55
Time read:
11,34
